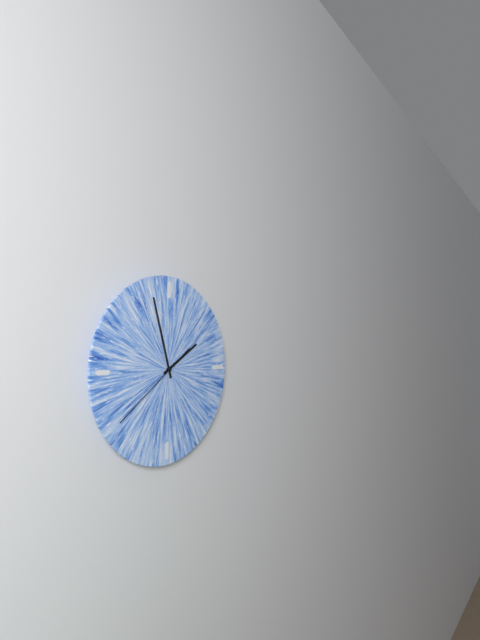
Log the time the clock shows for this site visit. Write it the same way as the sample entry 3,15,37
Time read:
1,57,39
